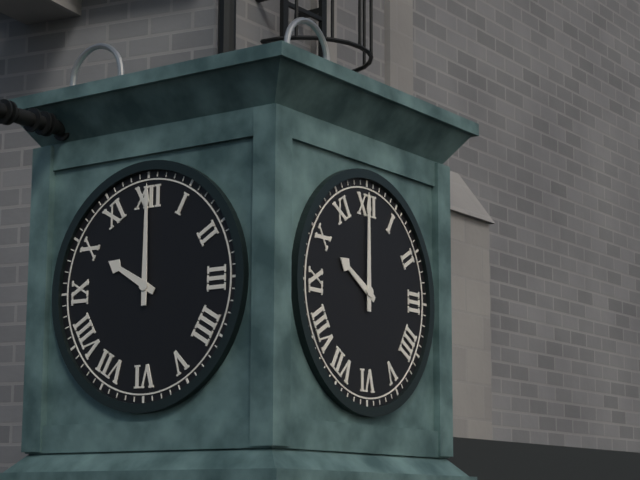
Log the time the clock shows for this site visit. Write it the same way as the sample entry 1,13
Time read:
10,00
